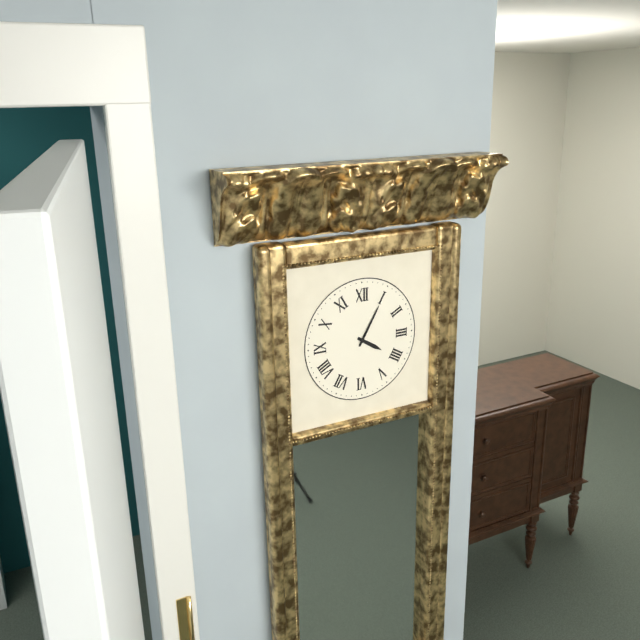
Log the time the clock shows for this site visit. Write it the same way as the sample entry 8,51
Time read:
4,05
